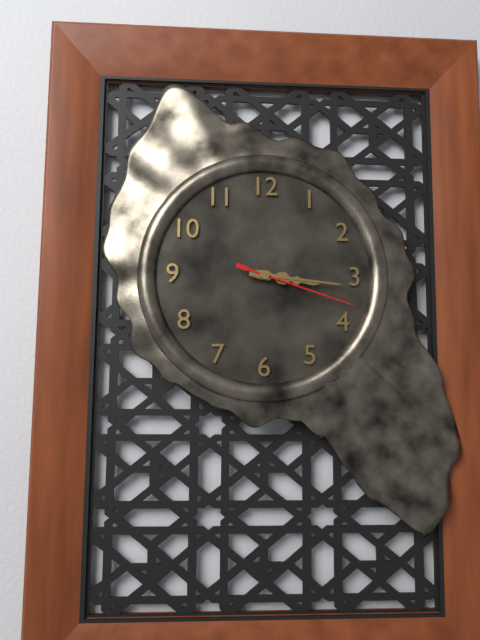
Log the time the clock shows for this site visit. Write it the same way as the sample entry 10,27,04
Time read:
3,16,18
